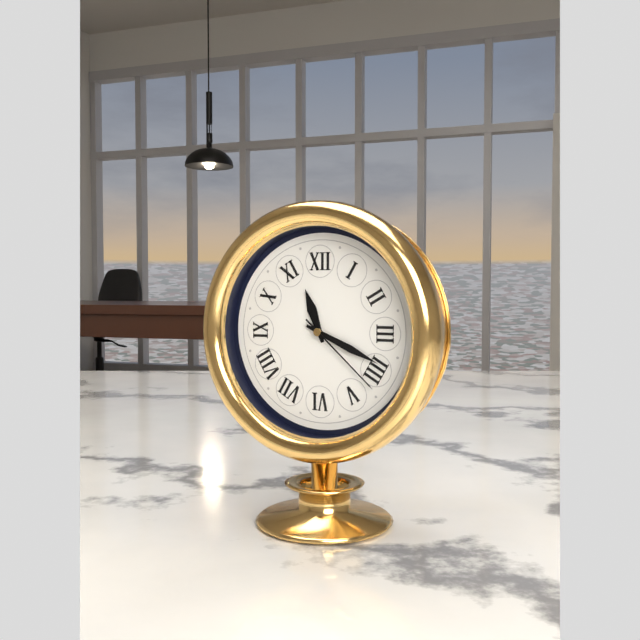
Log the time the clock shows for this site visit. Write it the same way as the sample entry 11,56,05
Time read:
11,19,22
